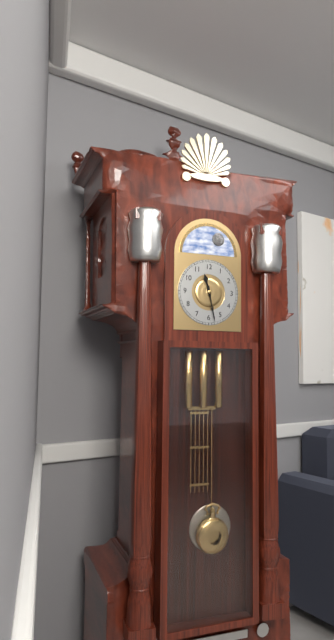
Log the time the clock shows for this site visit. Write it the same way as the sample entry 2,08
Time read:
11,28
